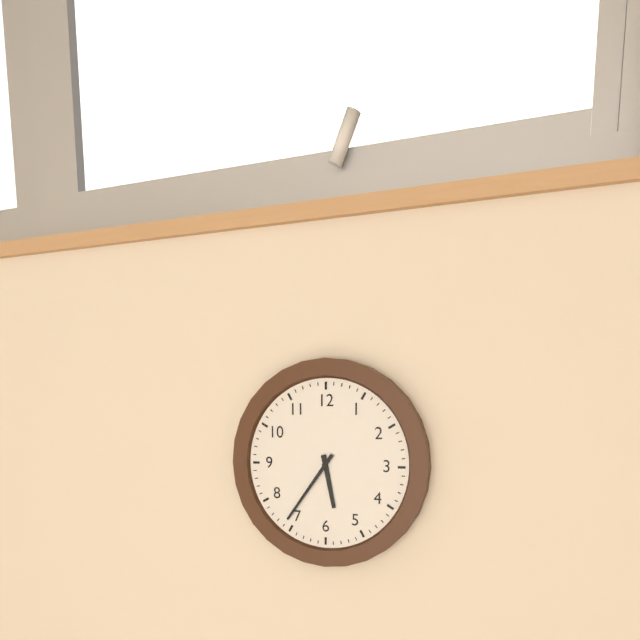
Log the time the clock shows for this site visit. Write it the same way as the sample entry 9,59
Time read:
5,36
